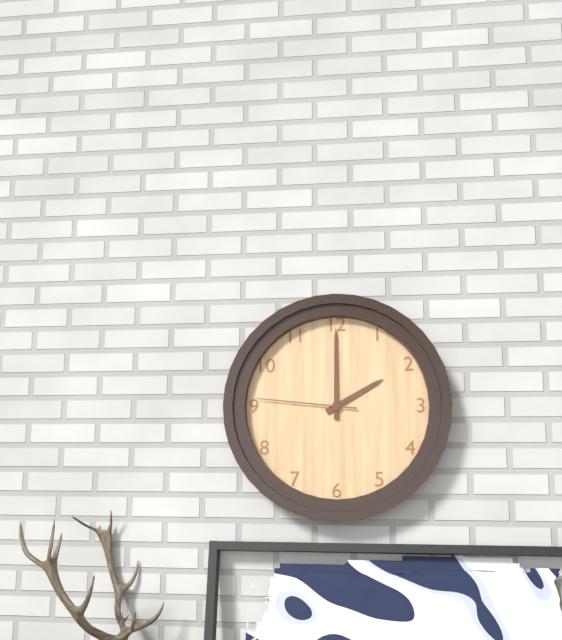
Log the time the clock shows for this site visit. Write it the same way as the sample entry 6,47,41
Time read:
2,00,46
